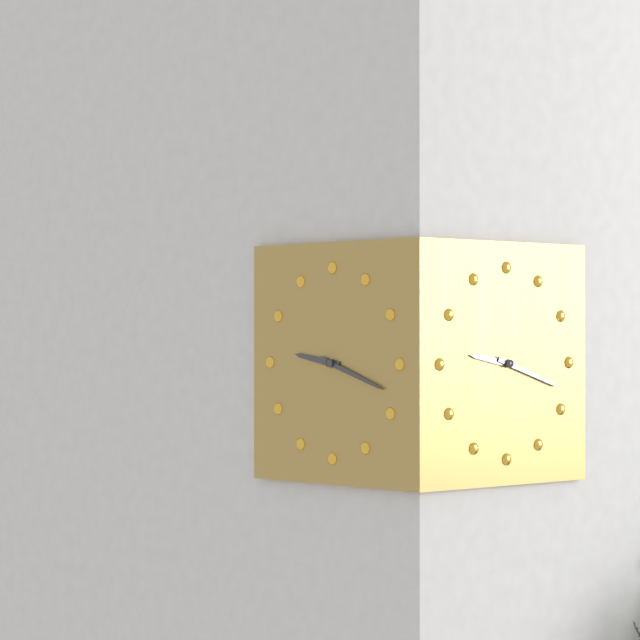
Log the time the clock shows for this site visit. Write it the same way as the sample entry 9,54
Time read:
9,18
